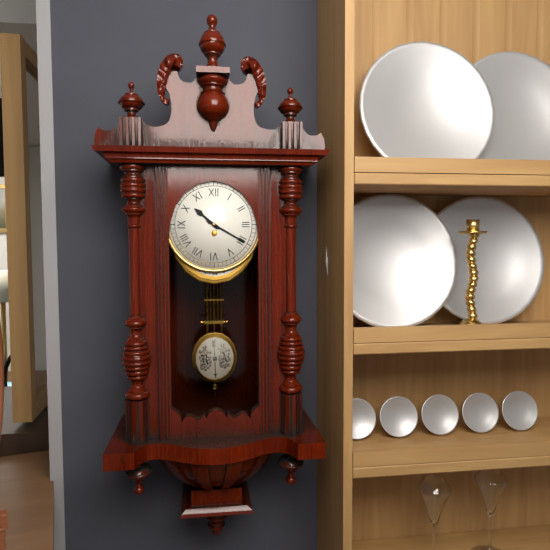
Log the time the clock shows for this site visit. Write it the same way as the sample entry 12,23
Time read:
10,20
